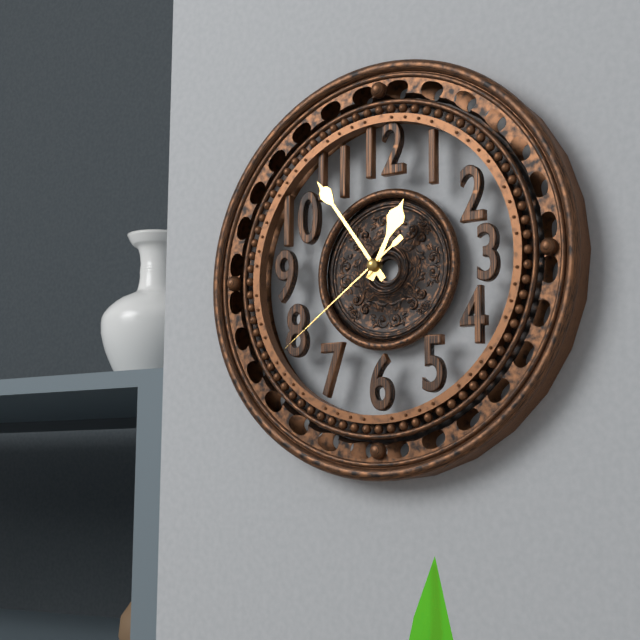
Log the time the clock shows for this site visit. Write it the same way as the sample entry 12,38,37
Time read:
12,54,39
